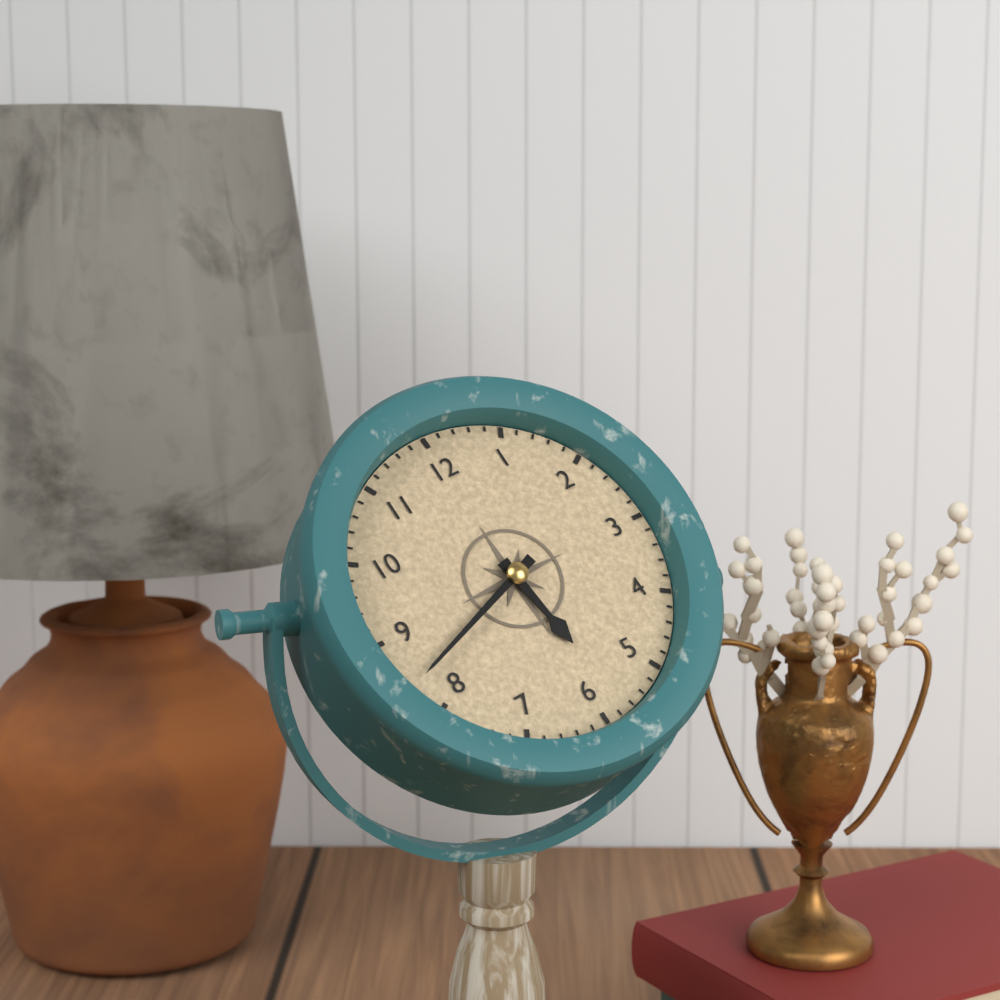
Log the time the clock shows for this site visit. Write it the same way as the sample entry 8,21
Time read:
5,42
